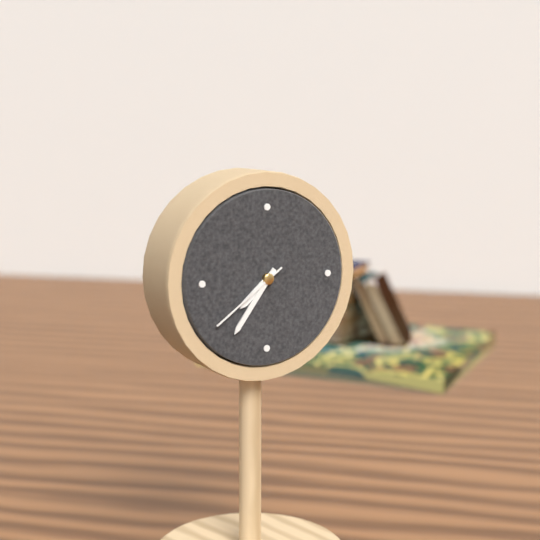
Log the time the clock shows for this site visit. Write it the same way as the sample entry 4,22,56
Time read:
7,36,39
